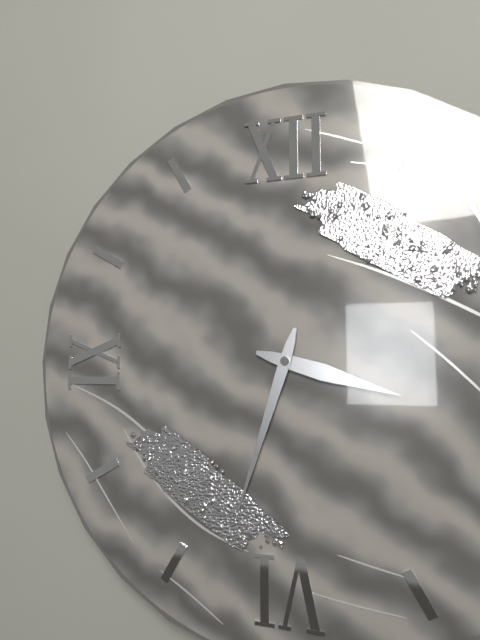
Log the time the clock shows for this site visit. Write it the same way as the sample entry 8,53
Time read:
3,33
